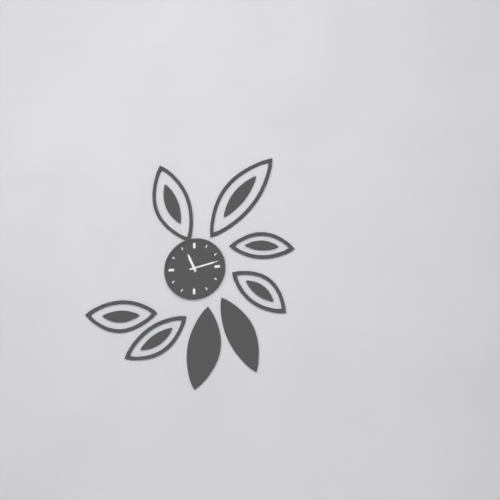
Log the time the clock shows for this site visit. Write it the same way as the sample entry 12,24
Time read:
11,13
